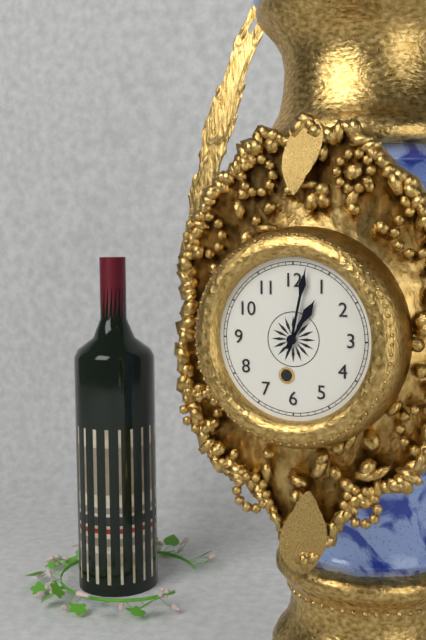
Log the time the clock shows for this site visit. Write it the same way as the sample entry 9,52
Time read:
1,02
